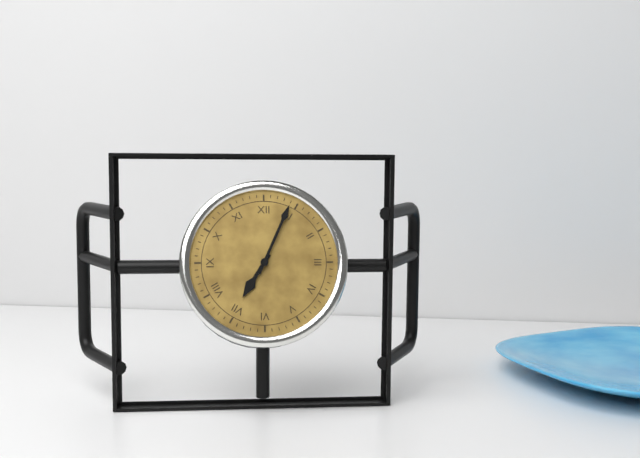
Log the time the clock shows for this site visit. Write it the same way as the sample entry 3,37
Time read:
7,04
